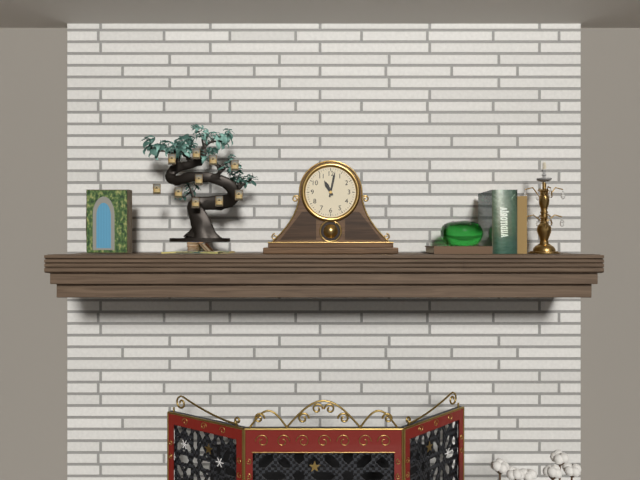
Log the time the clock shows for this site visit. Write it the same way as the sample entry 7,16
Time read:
11,02
